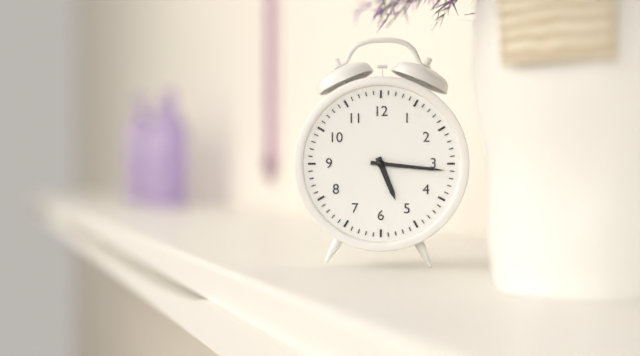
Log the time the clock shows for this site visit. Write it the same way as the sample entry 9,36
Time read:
5,16
